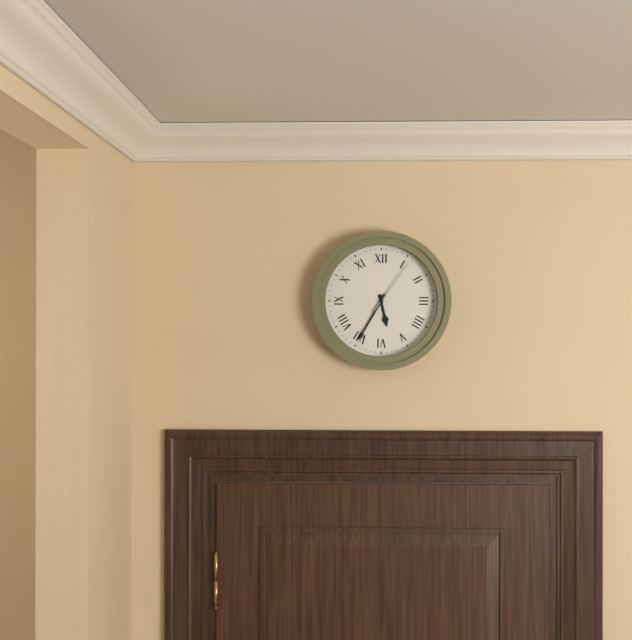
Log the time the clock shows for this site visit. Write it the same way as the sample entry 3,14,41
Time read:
5,35,06
